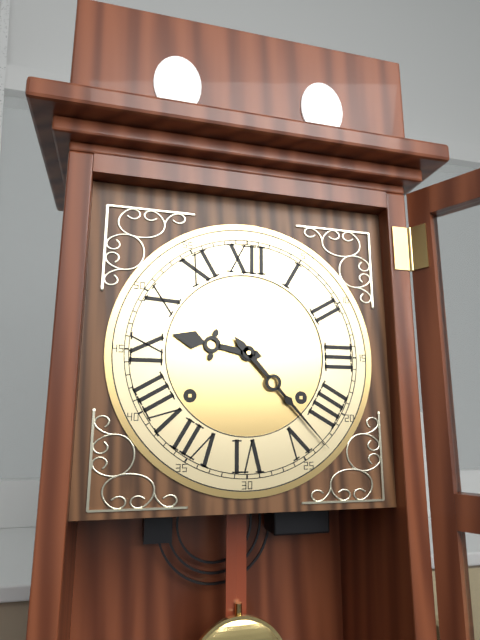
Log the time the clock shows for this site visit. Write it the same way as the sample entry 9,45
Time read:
9,23
